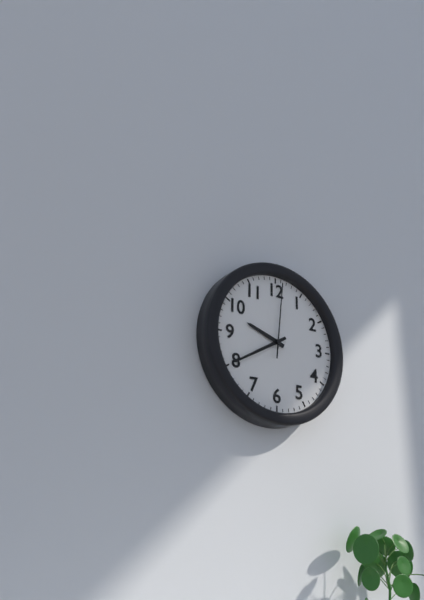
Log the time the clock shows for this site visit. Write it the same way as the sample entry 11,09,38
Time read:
9,40,01
